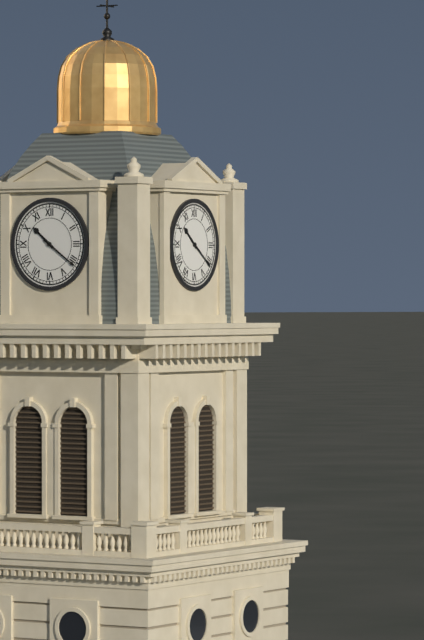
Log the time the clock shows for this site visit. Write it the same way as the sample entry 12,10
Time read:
10,21
